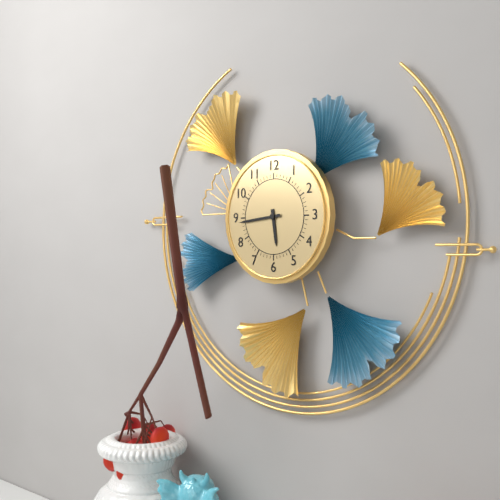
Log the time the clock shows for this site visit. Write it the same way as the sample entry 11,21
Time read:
5,44
